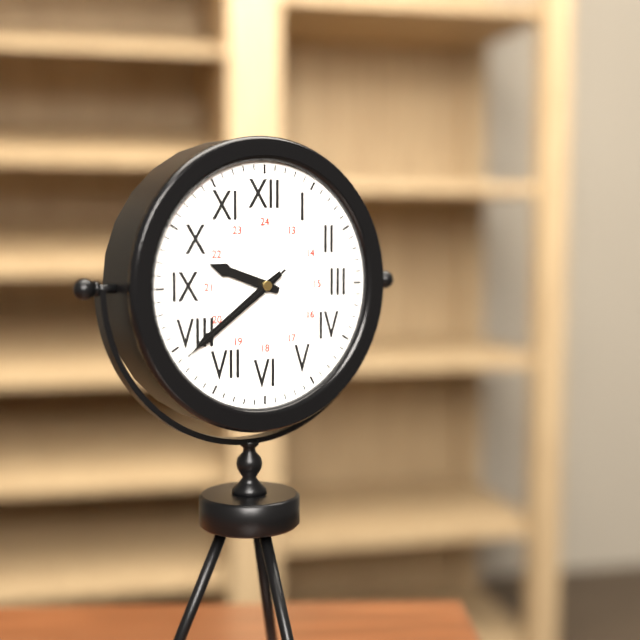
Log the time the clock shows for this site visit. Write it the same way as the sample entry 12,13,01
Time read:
9,39,39
